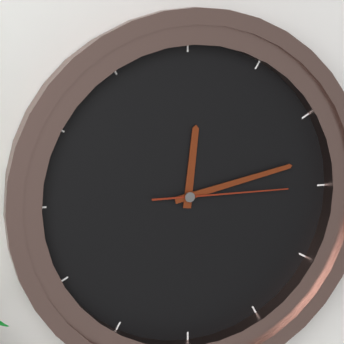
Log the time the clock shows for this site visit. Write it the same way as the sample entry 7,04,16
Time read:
12,13,15
